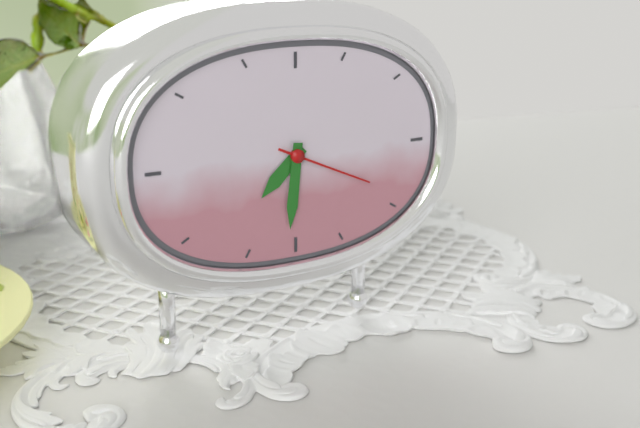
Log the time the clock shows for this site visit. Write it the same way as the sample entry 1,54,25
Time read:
7,31,19
